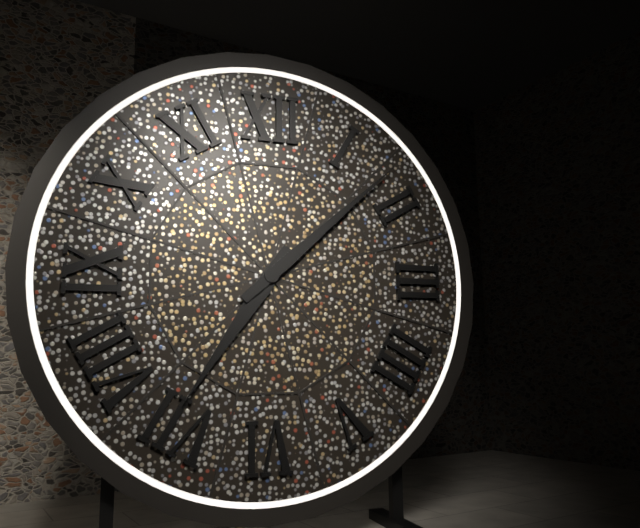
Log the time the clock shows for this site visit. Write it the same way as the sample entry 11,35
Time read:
7,08
